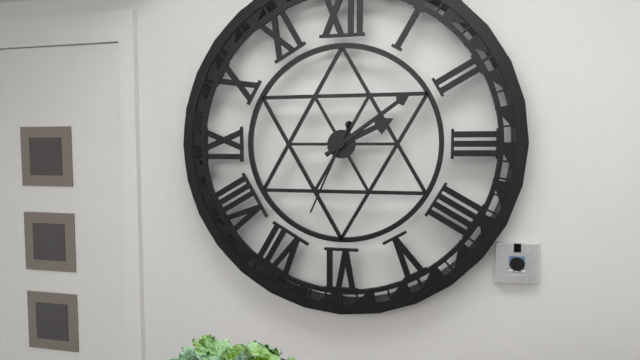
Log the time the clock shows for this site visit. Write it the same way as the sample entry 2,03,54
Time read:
2,09,34
